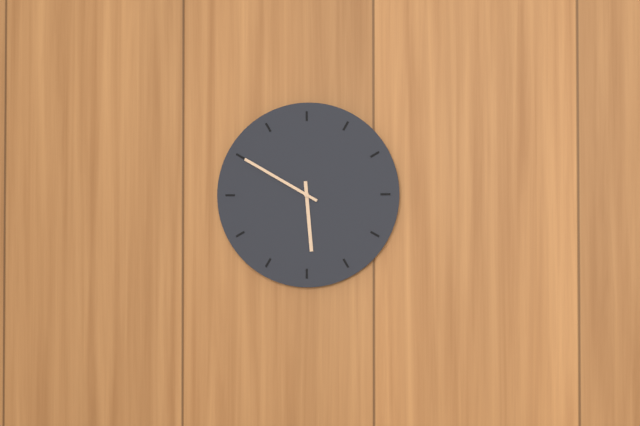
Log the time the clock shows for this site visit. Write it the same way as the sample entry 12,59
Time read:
5,50
